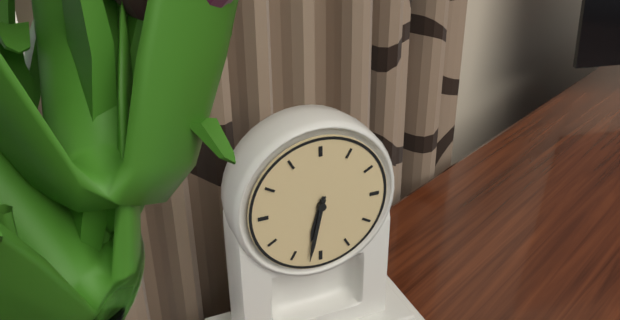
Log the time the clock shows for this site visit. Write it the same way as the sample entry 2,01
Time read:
6,32
